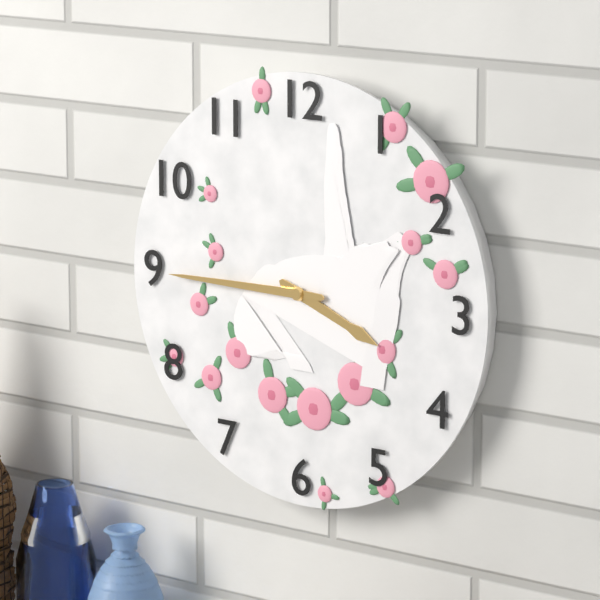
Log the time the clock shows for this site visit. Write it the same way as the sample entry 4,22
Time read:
3,45
